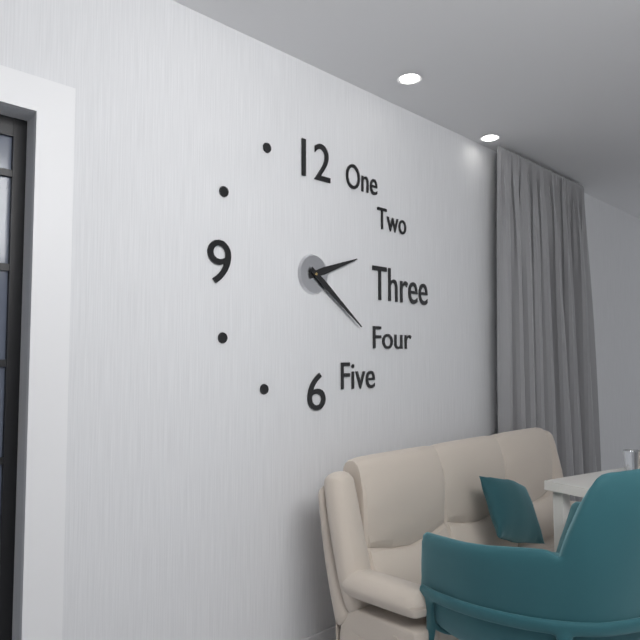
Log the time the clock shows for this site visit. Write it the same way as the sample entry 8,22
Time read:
2,21
